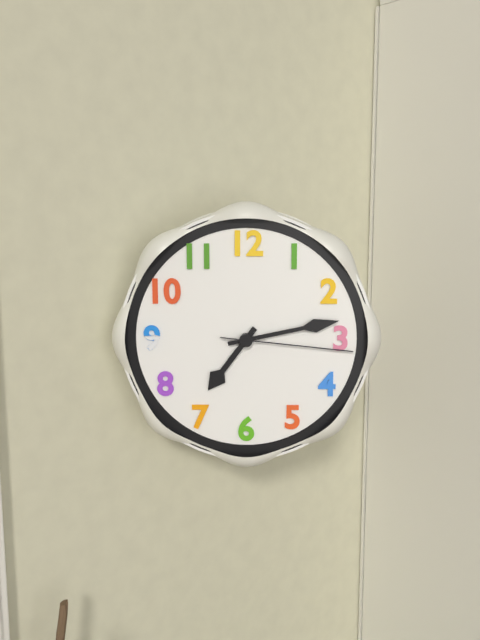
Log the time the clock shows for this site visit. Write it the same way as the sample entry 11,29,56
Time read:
7,13,16
